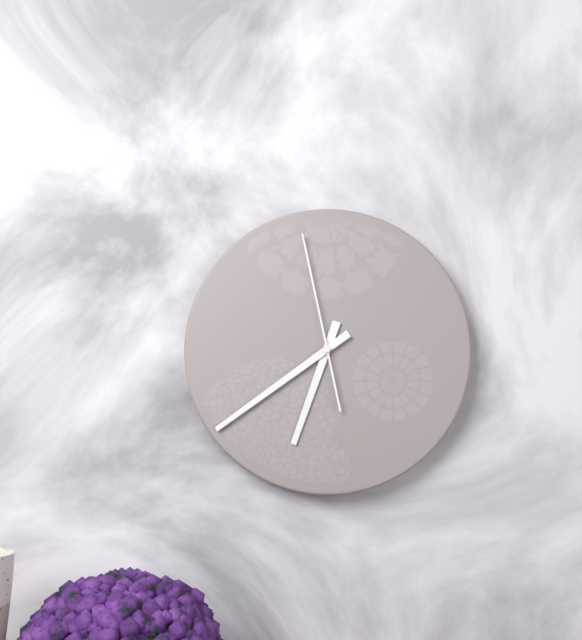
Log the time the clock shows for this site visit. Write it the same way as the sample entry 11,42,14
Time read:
6,39,58
